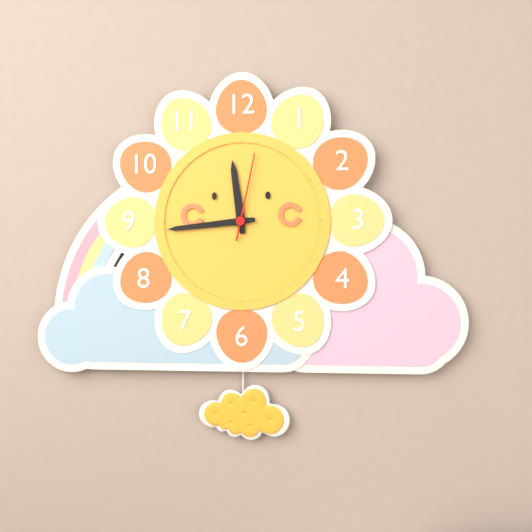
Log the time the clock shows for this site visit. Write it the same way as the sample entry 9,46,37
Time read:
11,44,02
